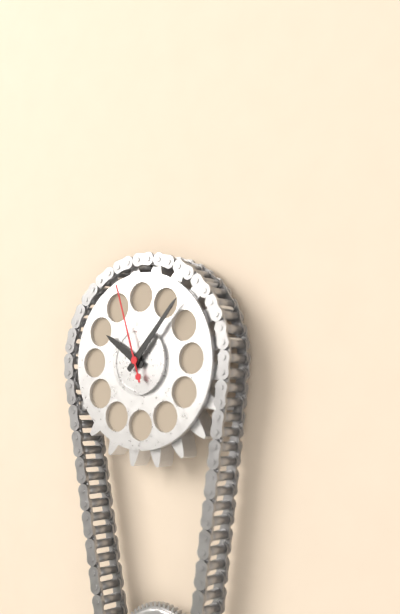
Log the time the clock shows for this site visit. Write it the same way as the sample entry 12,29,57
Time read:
10,07,57
